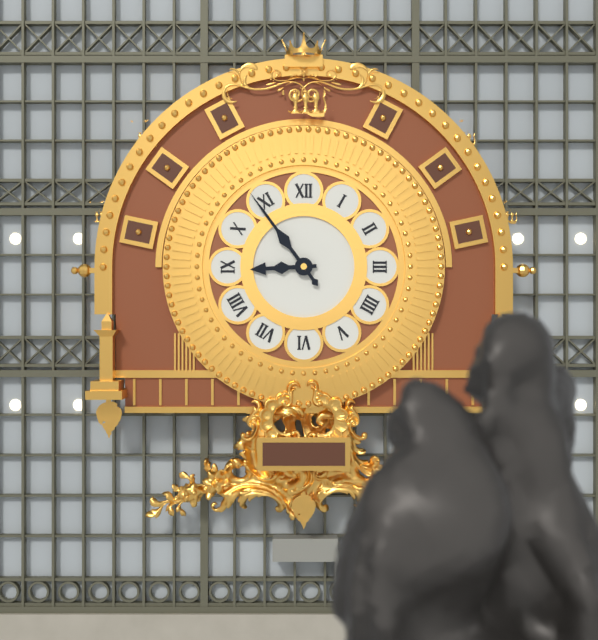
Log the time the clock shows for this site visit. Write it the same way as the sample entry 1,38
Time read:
8,54
